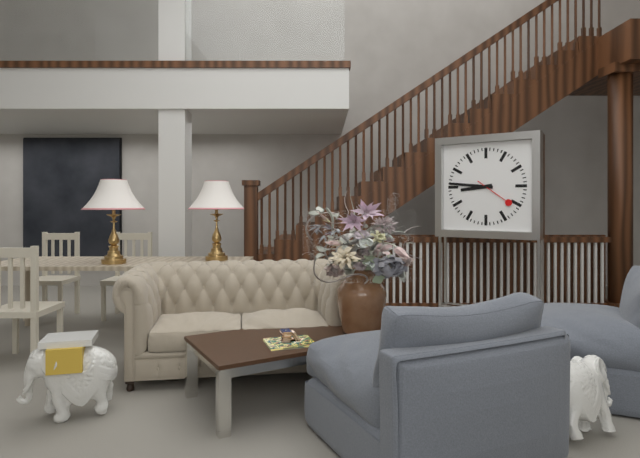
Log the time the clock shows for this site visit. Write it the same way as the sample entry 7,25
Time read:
8,46
